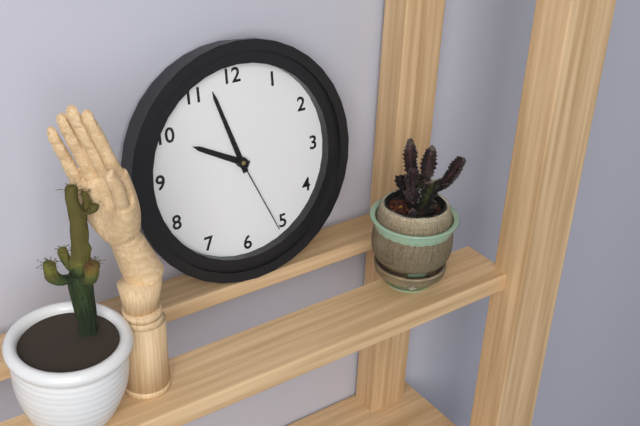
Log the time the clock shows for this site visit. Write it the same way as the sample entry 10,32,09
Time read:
9,57,26
